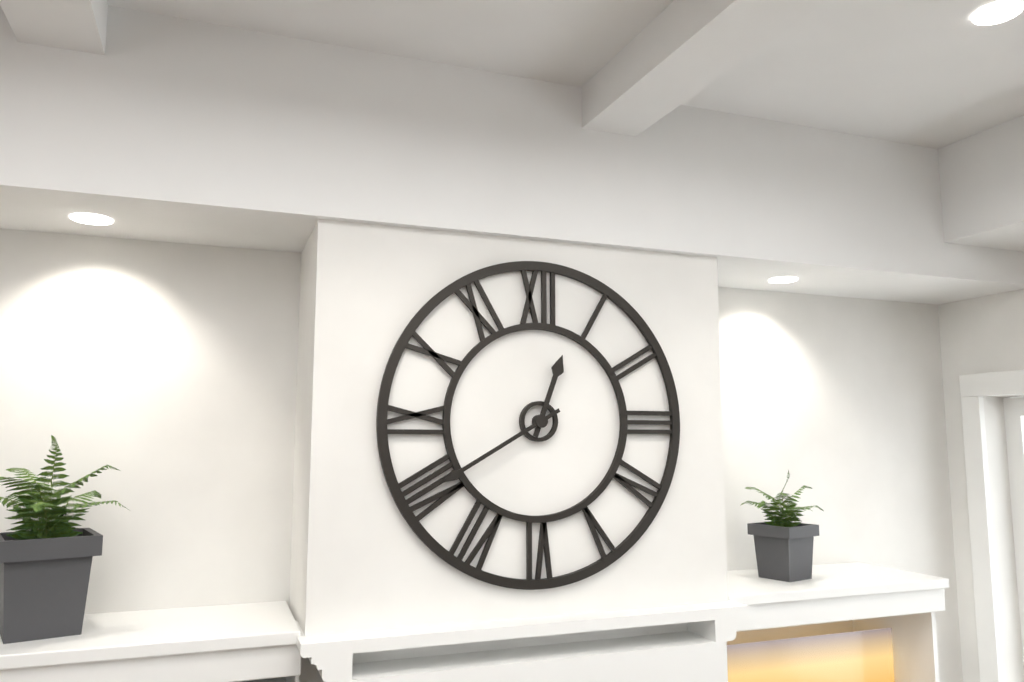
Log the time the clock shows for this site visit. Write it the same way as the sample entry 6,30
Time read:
12,40
